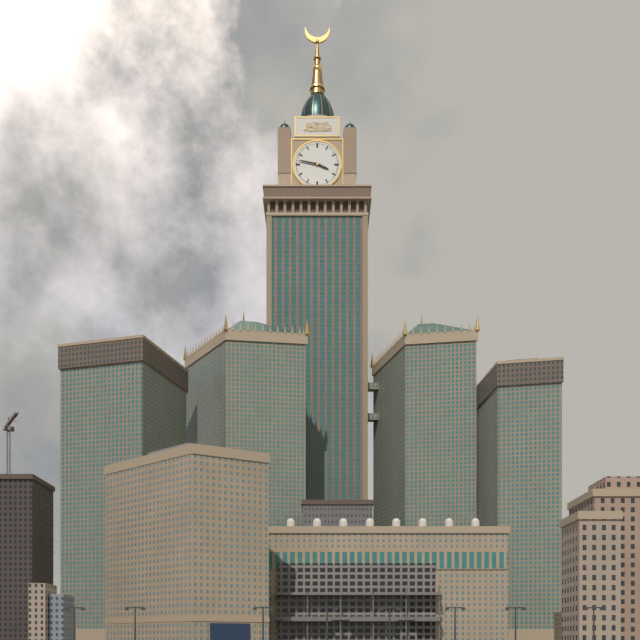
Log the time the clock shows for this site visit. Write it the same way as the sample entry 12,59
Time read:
3,47
